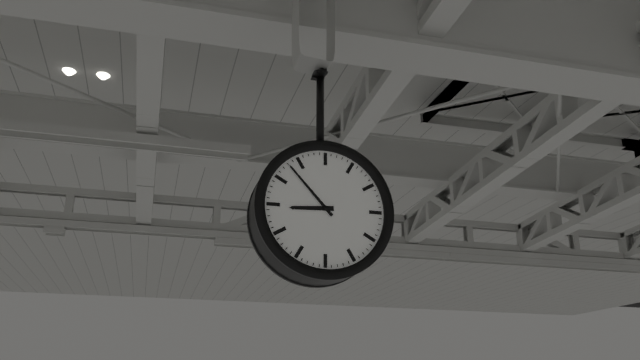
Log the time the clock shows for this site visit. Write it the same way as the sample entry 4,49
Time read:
8,53
